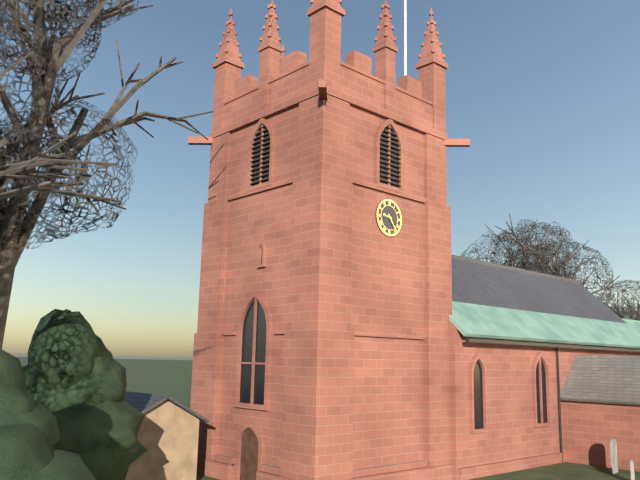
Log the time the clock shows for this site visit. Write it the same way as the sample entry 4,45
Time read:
9,24
